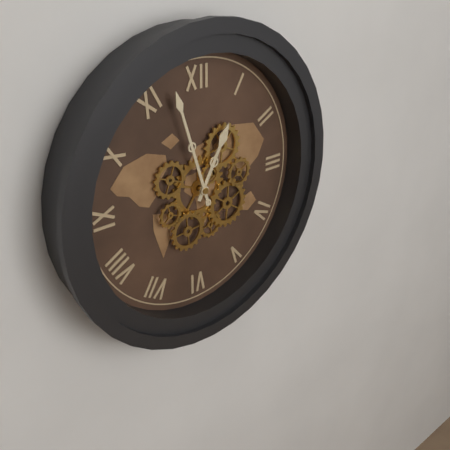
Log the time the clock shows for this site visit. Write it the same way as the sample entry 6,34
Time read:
12,57
